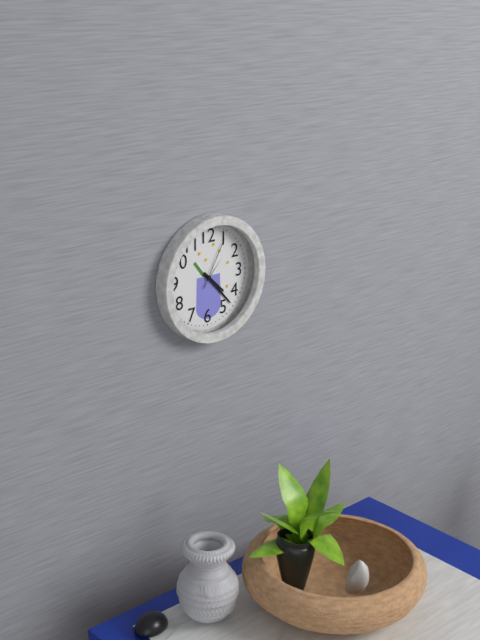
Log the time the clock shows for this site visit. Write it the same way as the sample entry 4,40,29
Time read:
4,23,05
